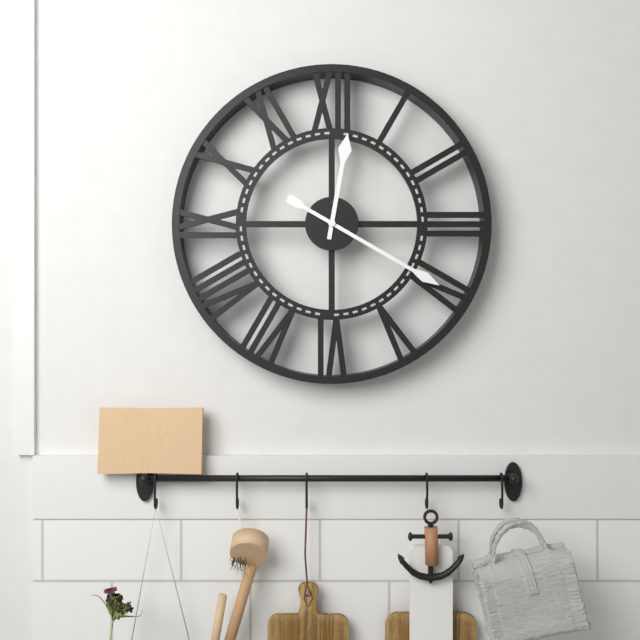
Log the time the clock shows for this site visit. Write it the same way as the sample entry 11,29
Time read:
12,20
